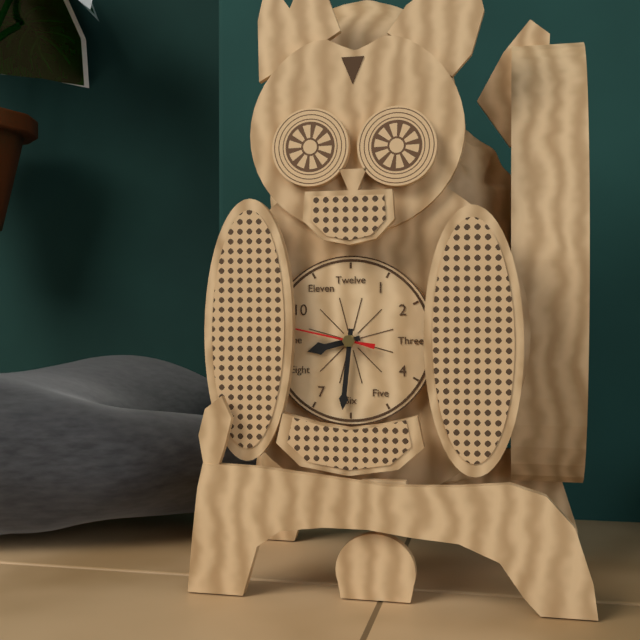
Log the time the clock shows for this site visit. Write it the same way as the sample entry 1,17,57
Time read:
8,31,47
